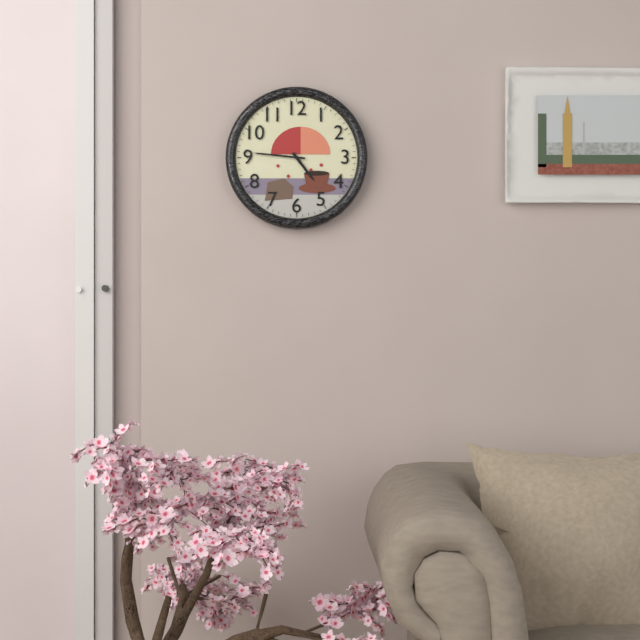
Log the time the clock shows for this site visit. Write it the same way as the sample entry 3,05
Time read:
4,46
